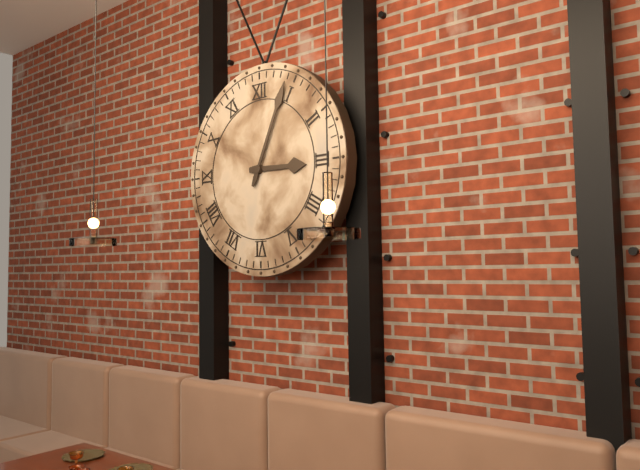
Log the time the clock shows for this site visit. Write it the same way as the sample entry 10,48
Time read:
3,04
